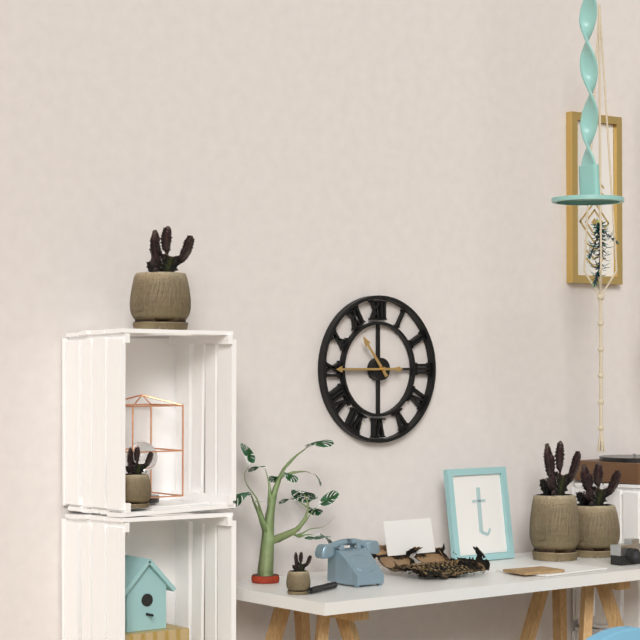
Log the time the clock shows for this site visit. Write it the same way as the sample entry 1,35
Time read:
10,45
